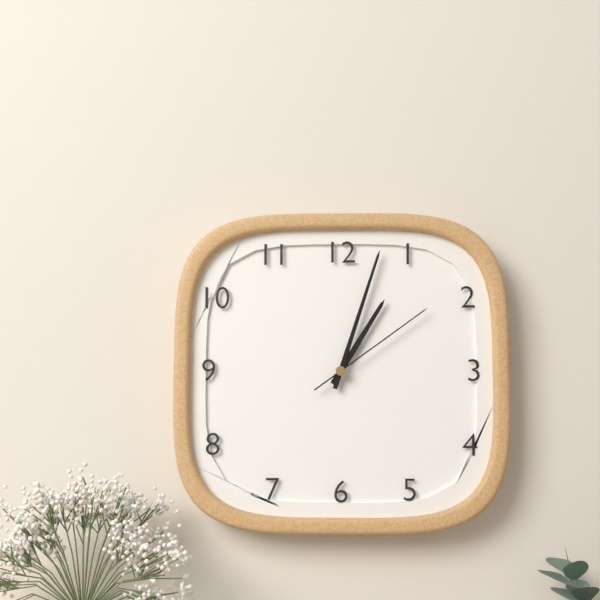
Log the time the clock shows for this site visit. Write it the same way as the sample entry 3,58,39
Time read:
1,03,09
